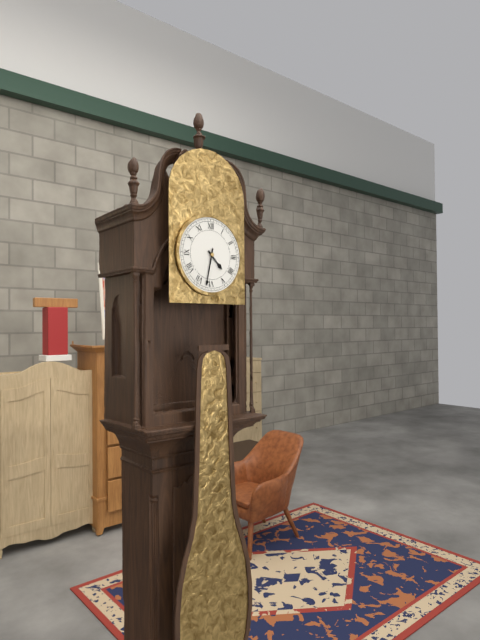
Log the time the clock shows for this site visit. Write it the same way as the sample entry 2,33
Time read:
4,32
